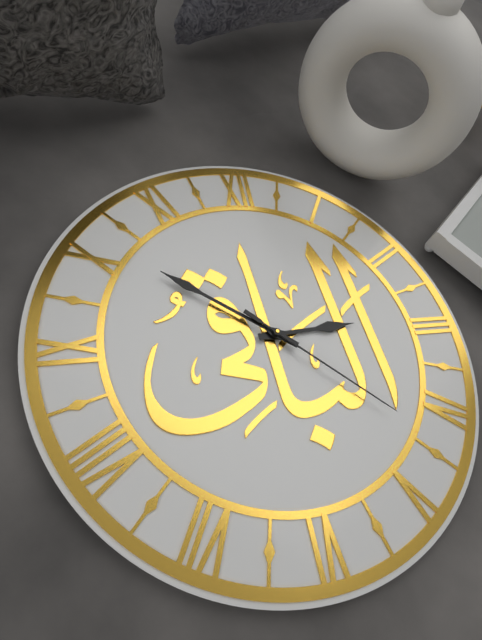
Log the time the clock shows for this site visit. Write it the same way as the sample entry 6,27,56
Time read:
2,51,22
